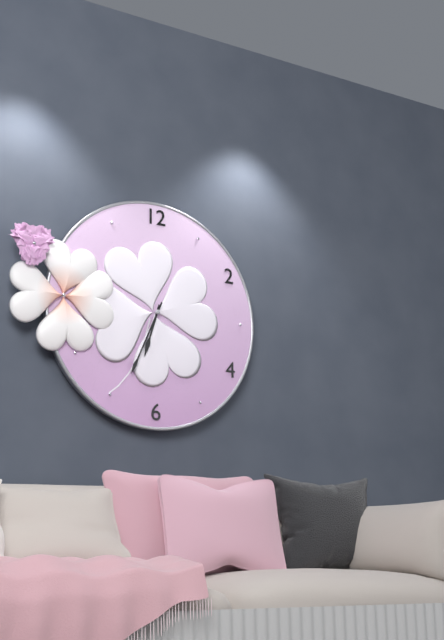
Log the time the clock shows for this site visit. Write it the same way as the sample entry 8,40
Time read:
6,34
